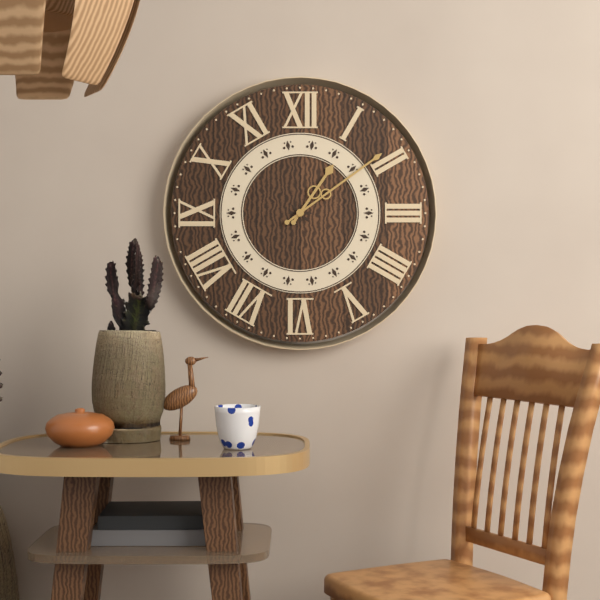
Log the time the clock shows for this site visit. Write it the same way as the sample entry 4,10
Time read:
1,09
